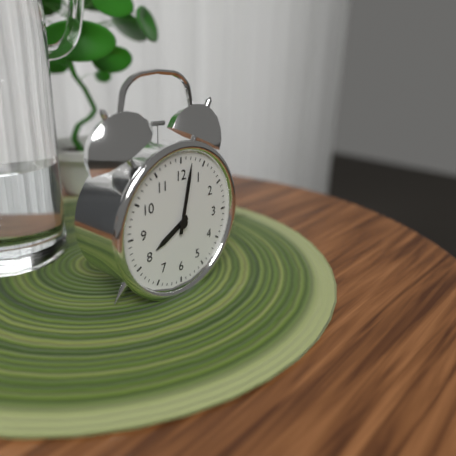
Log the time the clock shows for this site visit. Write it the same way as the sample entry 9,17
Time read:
8,02
